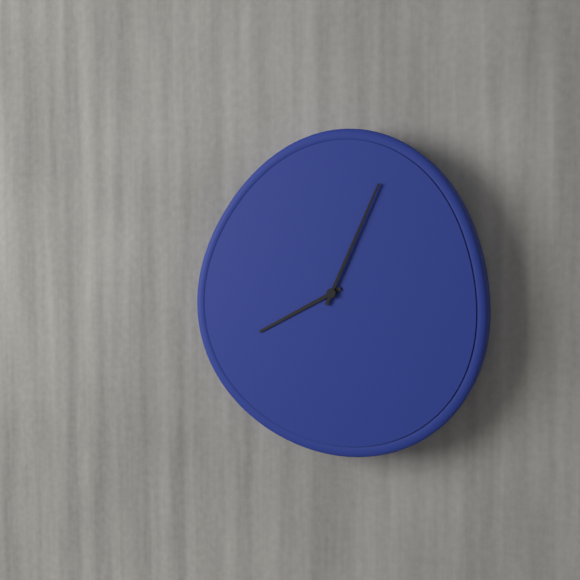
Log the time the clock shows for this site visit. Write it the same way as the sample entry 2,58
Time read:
8,04
